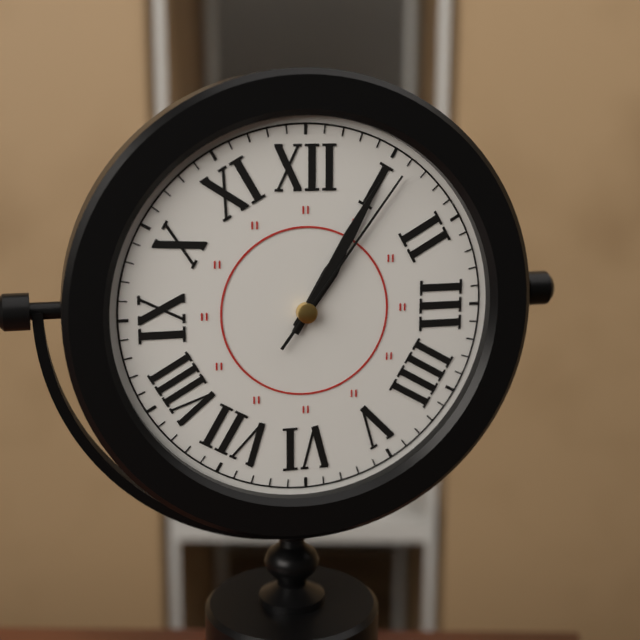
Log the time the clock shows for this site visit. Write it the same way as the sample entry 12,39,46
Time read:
1,05,06
